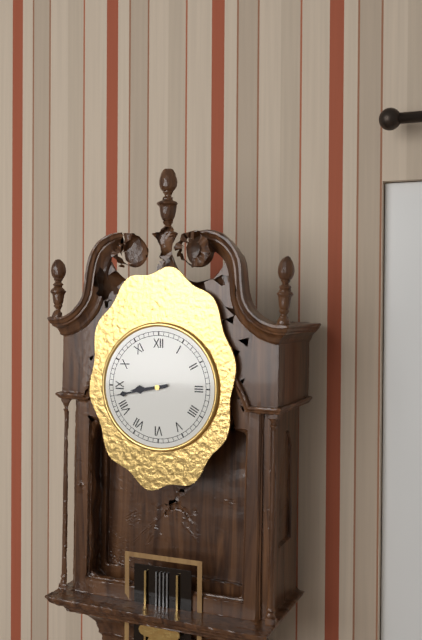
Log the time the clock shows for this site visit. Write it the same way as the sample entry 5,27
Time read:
8,43
